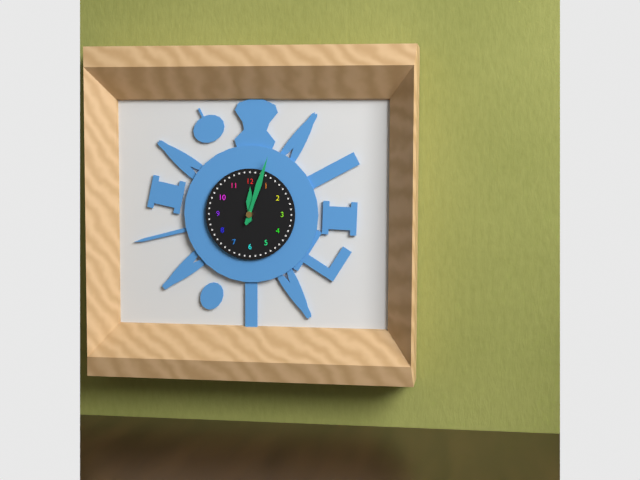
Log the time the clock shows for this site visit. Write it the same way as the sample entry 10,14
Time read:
12,03
